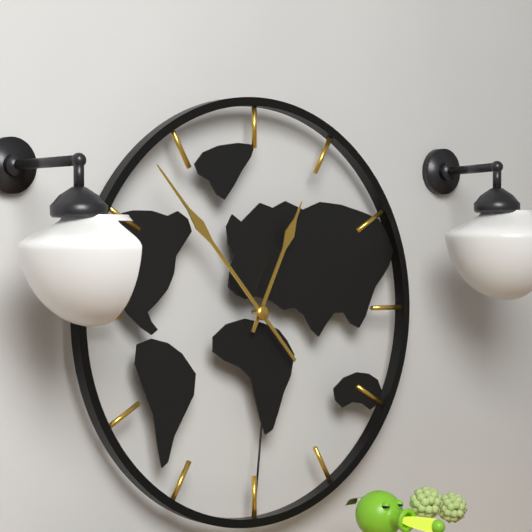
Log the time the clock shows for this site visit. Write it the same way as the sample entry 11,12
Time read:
12,53
